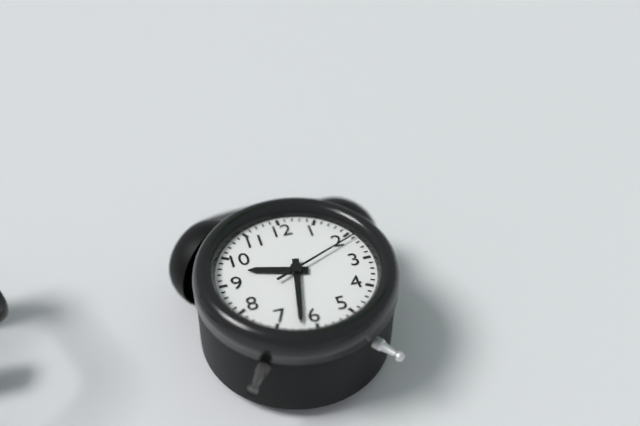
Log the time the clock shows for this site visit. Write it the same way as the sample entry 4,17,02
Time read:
9,32,11
